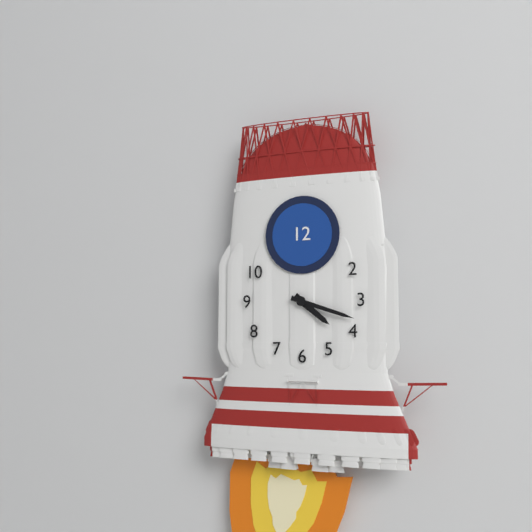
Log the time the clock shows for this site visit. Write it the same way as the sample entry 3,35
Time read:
4,18
